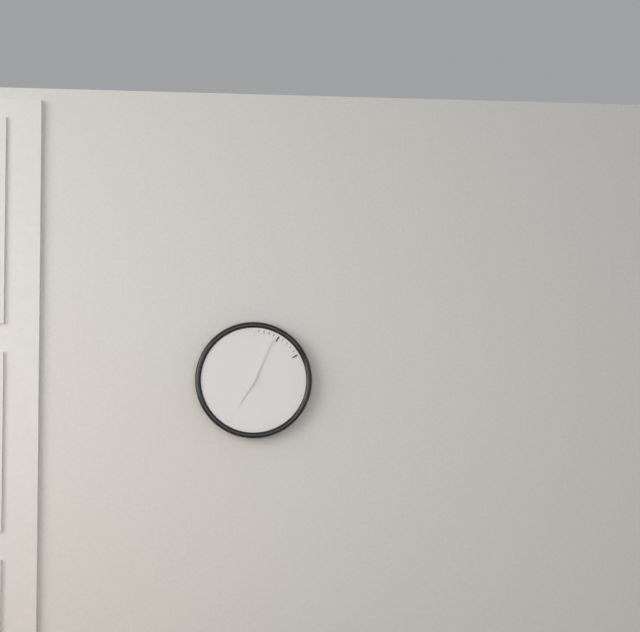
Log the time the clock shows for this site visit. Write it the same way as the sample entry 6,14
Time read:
7,04
